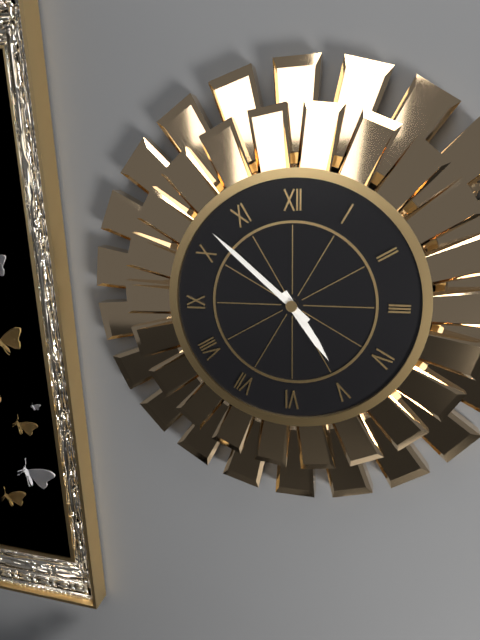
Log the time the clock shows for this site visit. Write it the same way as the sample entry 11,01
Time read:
4,52
